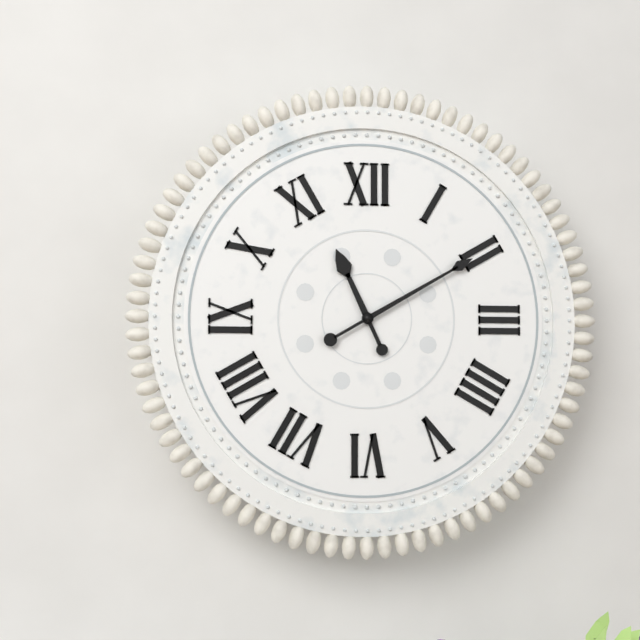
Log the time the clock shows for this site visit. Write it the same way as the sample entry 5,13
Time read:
11,10
